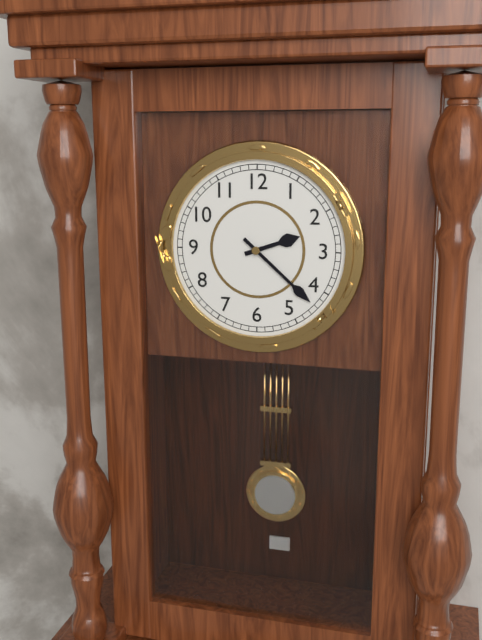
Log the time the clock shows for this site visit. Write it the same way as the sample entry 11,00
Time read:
2,22
